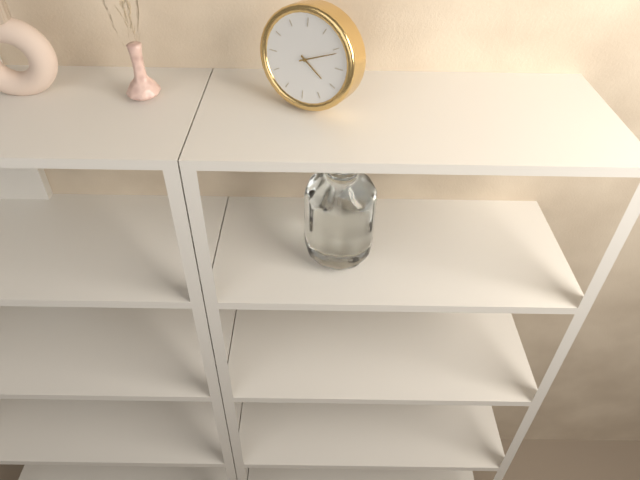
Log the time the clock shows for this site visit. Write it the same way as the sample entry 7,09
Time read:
4,11
